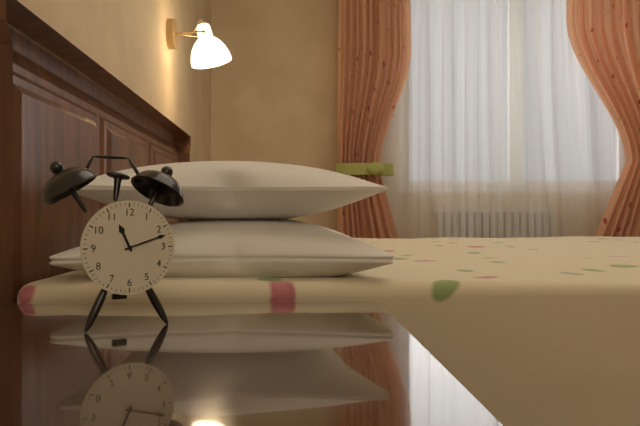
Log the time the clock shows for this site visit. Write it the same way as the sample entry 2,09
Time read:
11,12
